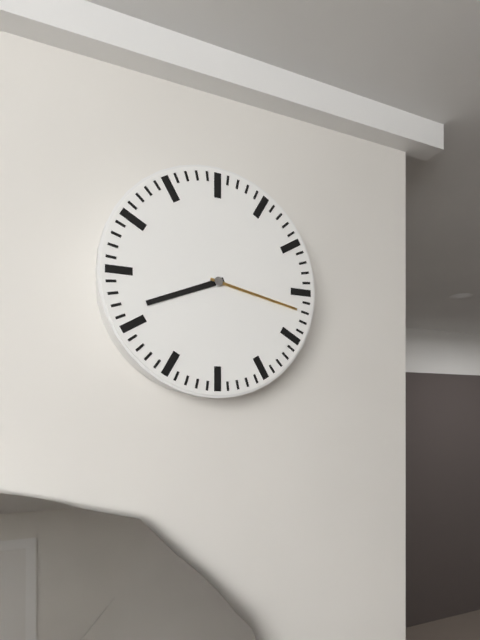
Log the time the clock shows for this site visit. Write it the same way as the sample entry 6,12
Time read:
8,17
